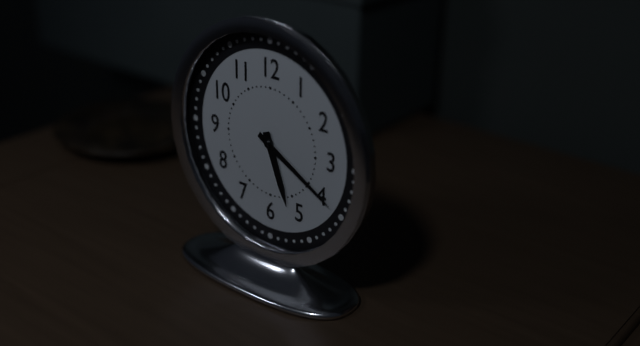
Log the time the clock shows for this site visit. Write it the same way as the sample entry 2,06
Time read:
5,20
